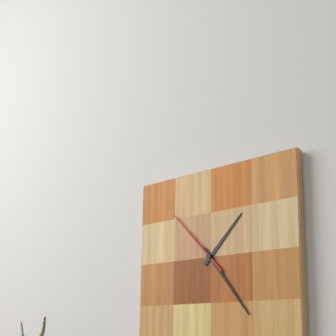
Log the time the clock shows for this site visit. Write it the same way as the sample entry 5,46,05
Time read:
1,24,53
